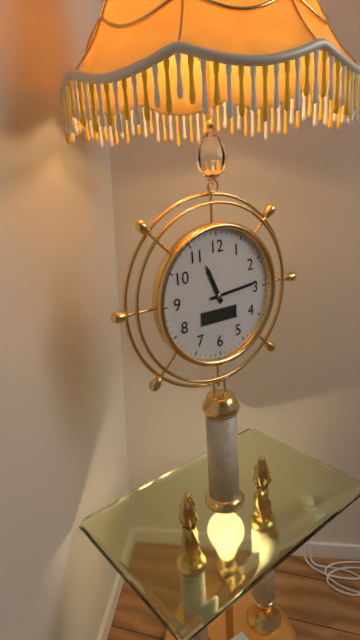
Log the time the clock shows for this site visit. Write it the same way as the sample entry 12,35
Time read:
11,14
